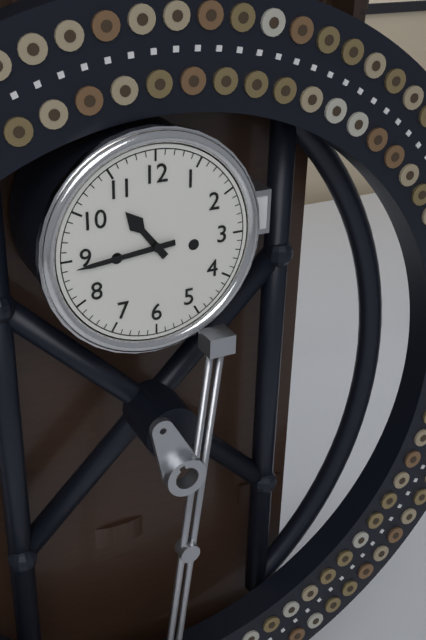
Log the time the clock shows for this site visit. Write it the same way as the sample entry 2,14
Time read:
10,44
